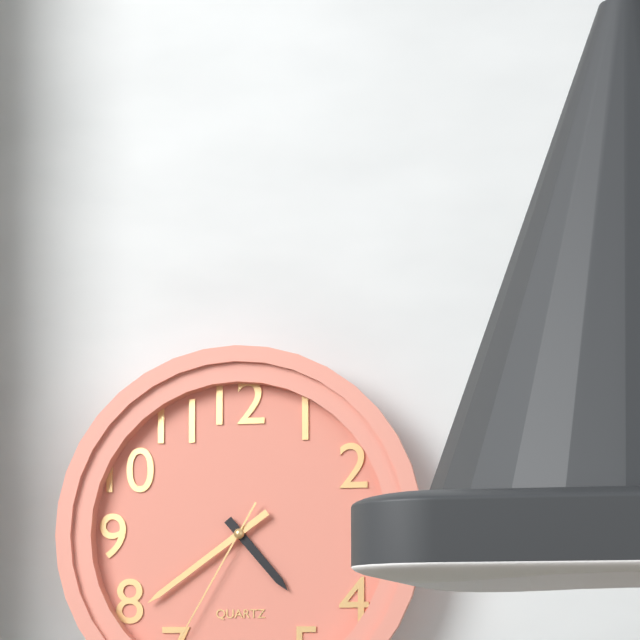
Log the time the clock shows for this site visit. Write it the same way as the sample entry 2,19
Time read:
4,39
